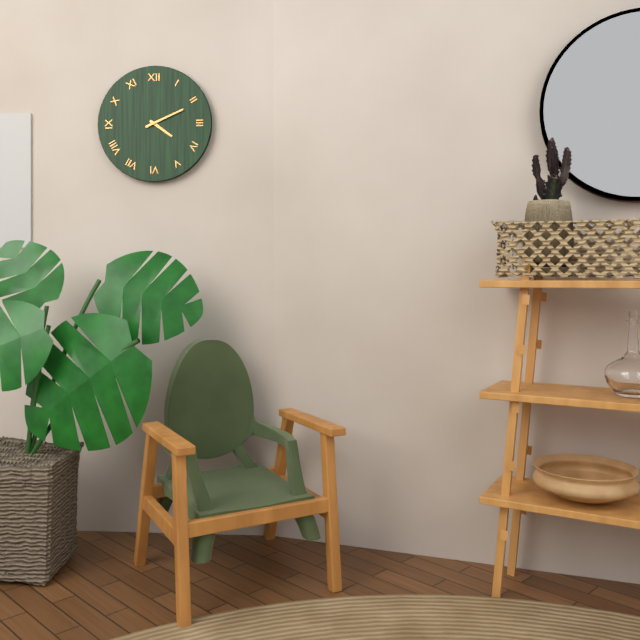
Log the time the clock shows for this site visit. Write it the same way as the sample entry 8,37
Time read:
4,11
